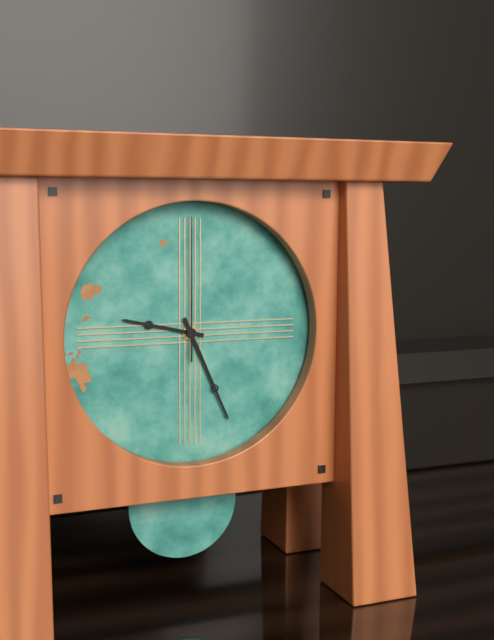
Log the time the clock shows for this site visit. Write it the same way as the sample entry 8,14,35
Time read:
9,26,00
